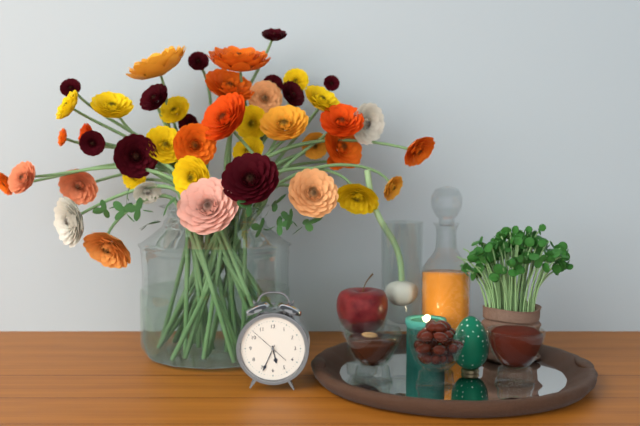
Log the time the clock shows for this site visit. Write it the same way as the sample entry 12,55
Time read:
5,34
